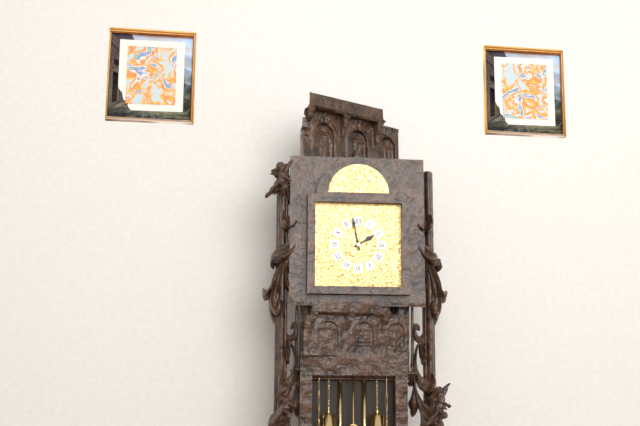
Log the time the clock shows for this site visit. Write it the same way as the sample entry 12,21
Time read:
1,58
